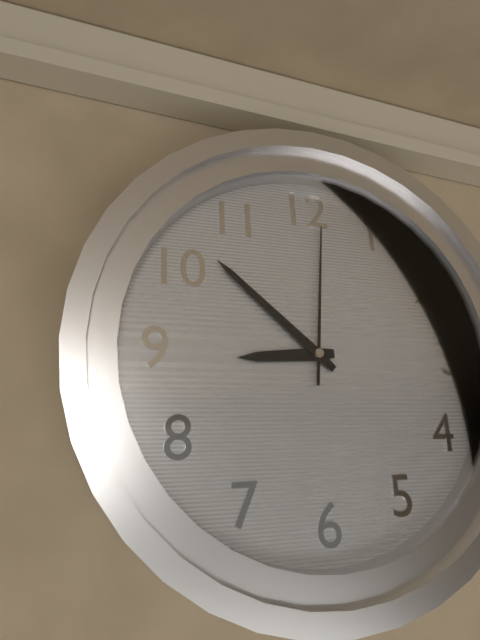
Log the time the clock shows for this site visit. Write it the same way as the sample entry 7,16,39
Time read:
8,52,01
